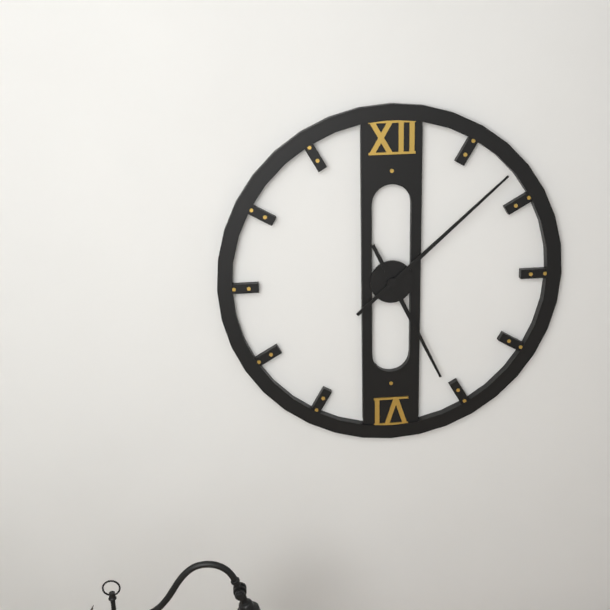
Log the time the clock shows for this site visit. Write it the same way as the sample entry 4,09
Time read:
5,08
